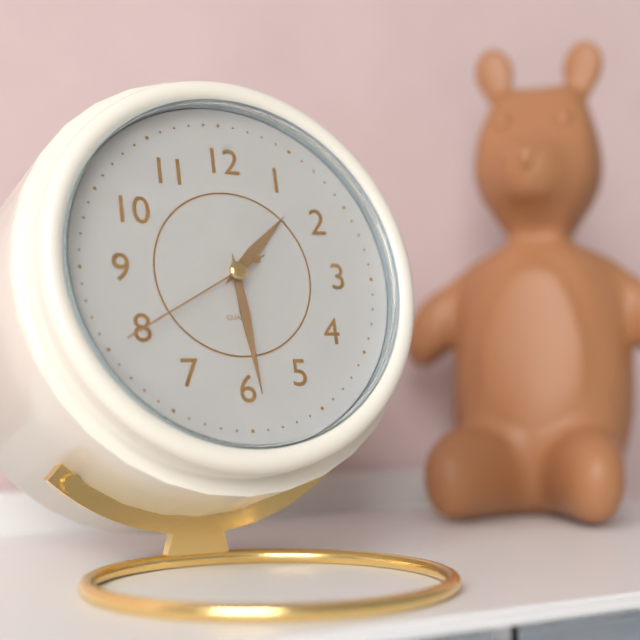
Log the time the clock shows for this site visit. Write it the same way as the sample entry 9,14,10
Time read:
1,29,40
